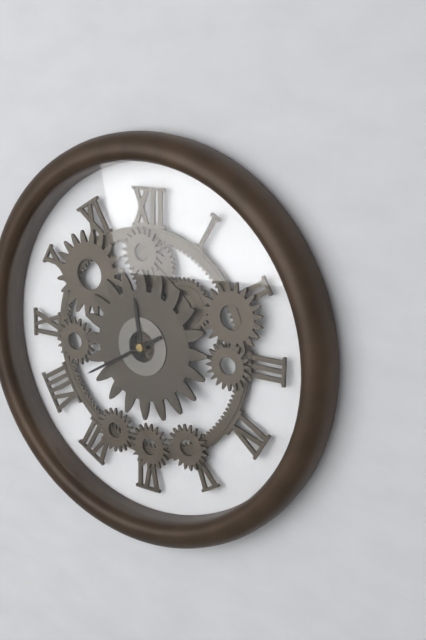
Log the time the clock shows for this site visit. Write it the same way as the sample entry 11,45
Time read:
11,40
